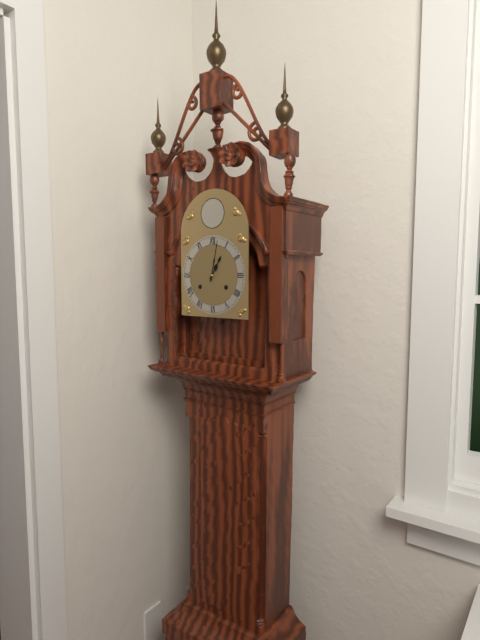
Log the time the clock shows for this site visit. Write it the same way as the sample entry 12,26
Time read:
1,02
